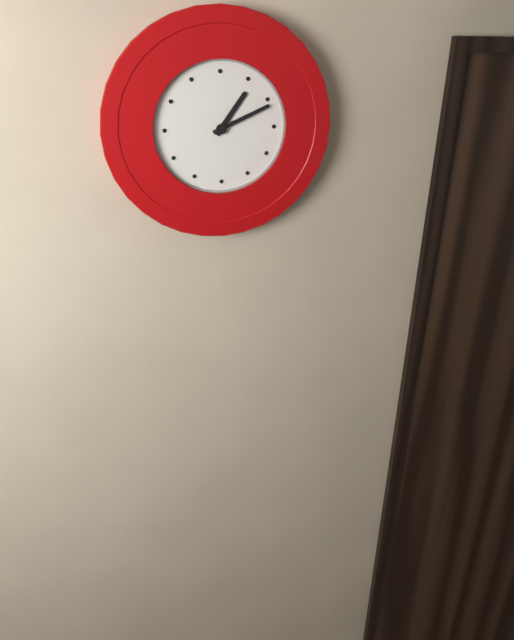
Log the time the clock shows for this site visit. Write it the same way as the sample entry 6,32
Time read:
1,11
